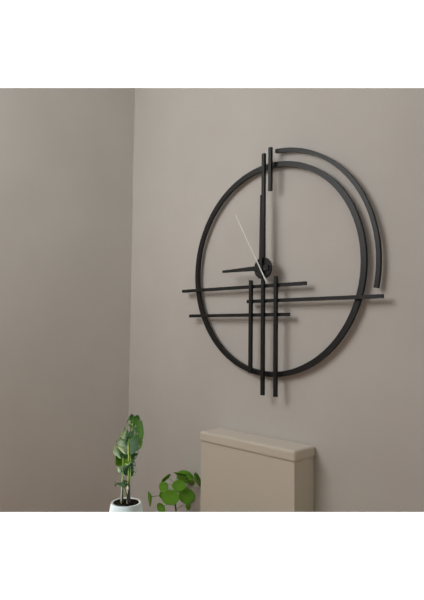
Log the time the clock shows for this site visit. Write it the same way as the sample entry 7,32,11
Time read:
9,00,55
